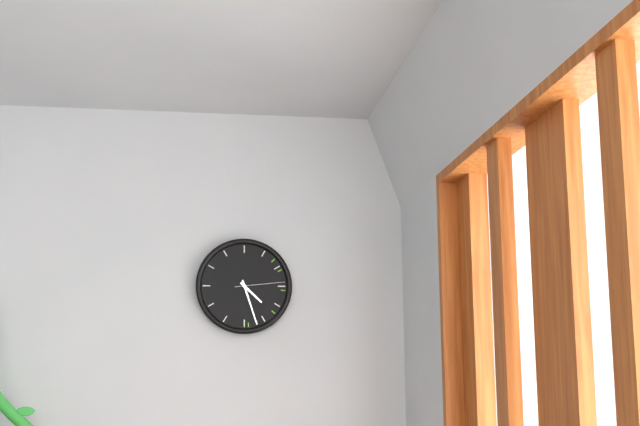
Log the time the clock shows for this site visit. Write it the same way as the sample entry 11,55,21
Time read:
4,27,14
